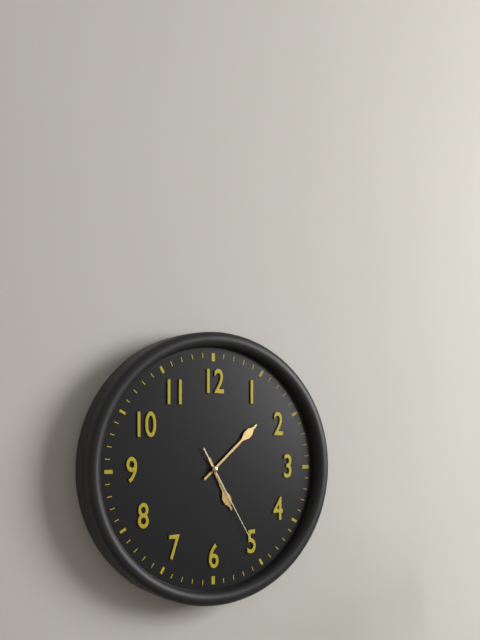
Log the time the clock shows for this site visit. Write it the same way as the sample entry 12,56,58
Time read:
5,08,25
